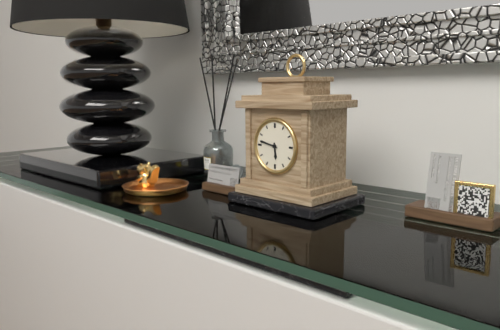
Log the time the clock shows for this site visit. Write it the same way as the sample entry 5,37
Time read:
5,47
